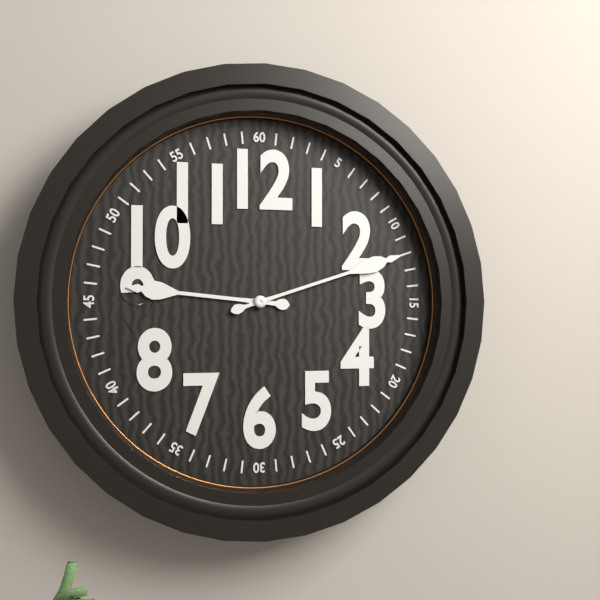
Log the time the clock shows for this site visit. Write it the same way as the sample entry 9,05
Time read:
9,12
